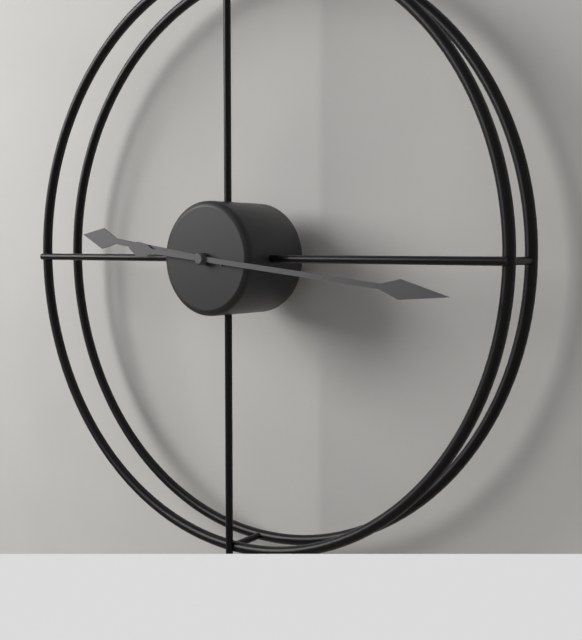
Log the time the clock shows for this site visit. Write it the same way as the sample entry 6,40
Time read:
9,16
